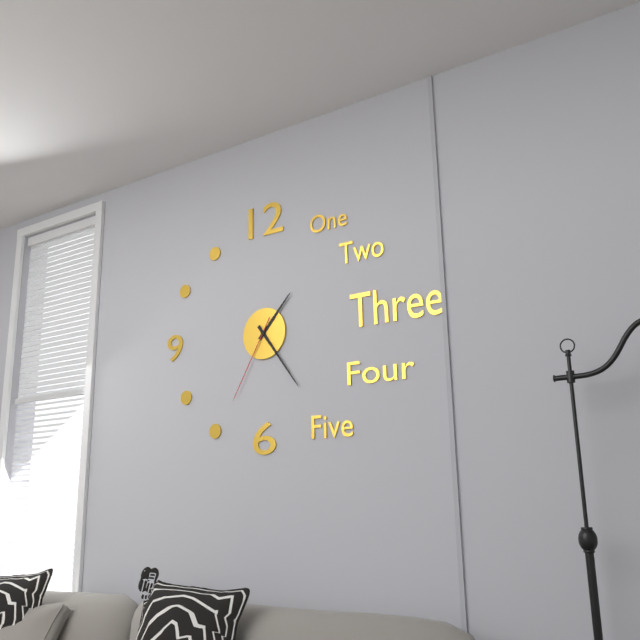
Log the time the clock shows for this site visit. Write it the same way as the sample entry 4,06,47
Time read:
1,24,35
